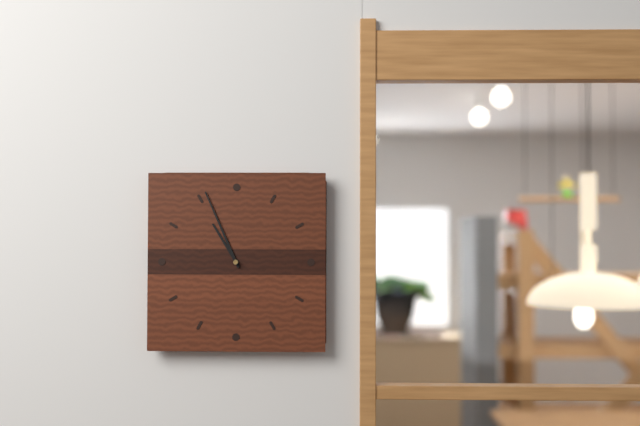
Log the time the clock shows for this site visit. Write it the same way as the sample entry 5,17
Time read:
10,56
